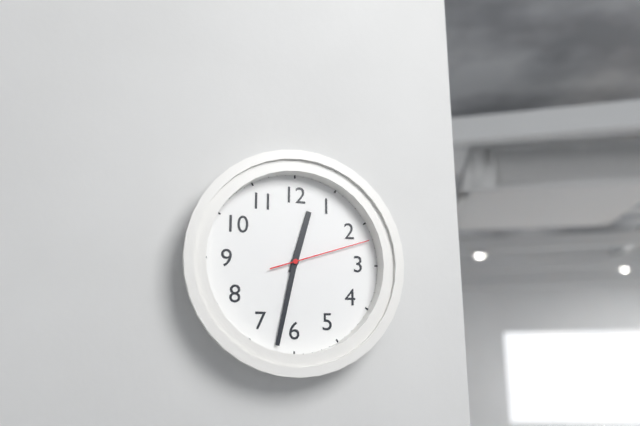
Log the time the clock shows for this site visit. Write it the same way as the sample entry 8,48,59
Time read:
12,32,12
